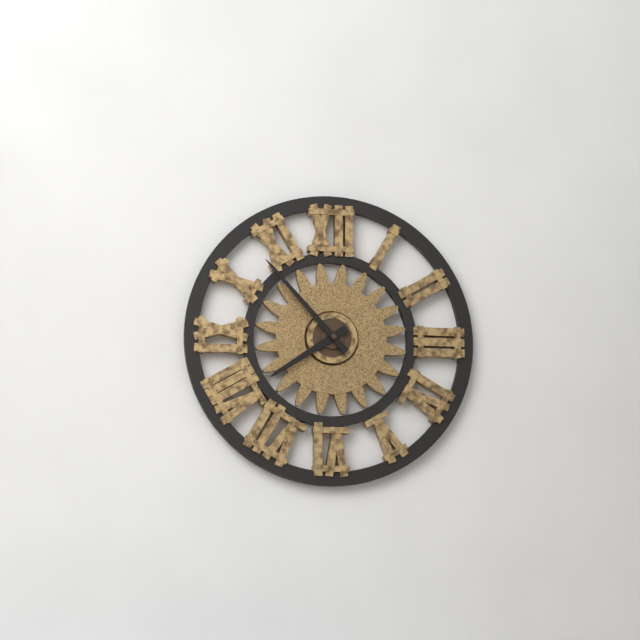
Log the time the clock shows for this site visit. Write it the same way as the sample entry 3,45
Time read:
7,53
